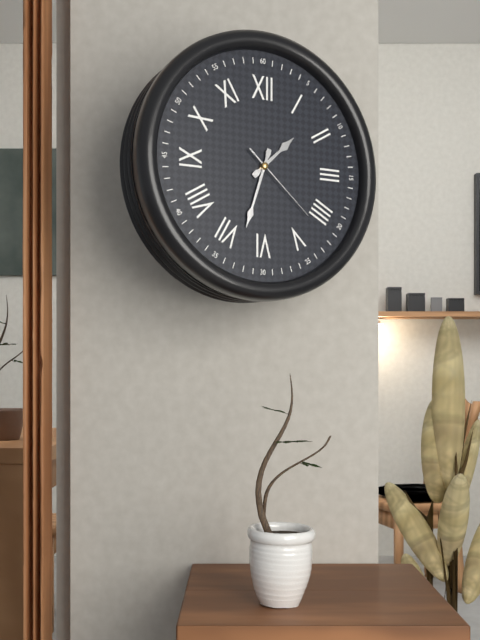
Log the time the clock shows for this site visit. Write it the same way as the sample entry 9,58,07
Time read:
1,33,22
